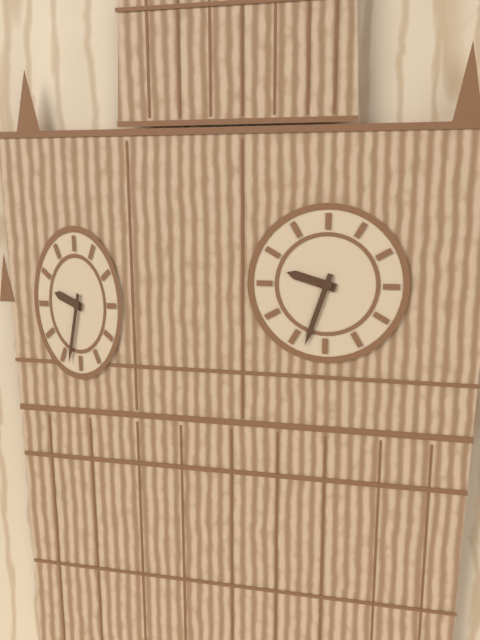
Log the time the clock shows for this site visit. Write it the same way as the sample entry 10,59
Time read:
9,33
